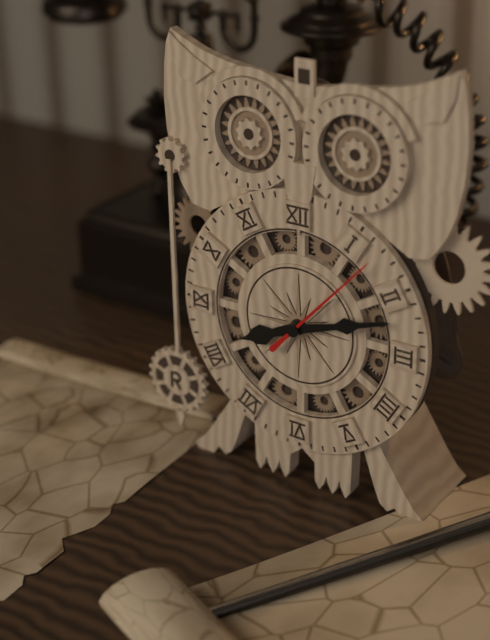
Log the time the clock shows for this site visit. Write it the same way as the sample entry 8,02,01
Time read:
8,12,07
